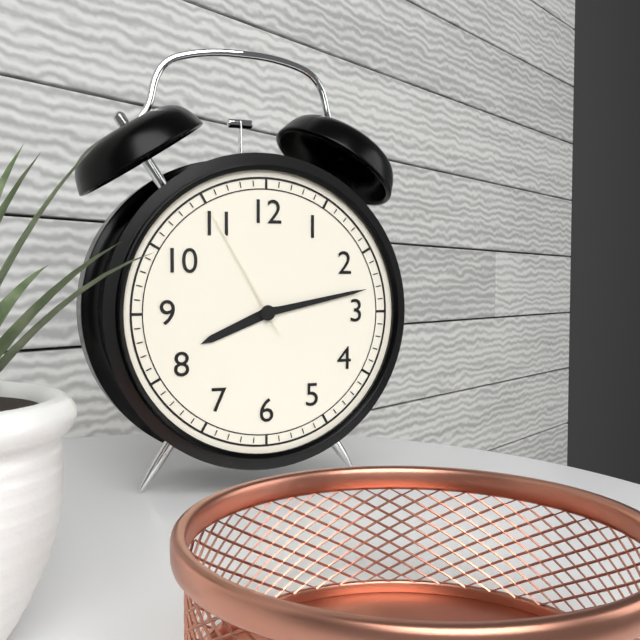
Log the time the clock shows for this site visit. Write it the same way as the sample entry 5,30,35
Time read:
8,13,55
